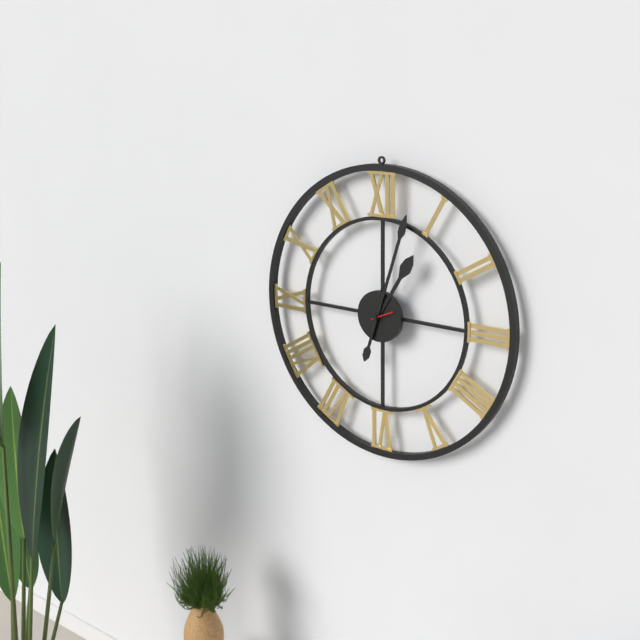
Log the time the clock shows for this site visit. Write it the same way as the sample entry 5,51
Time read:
1,03
